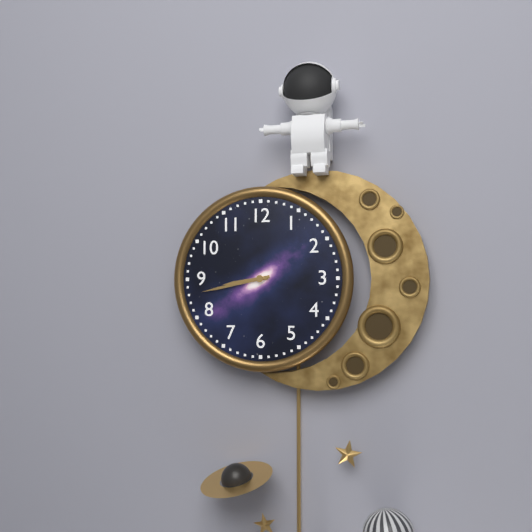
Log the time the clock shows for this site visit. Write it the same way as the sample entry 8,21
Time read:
8,43
